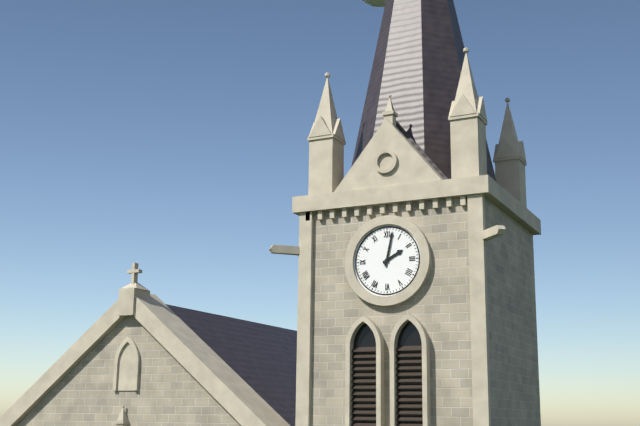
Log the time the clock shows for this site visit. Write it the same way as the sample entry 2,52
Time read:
2,02
